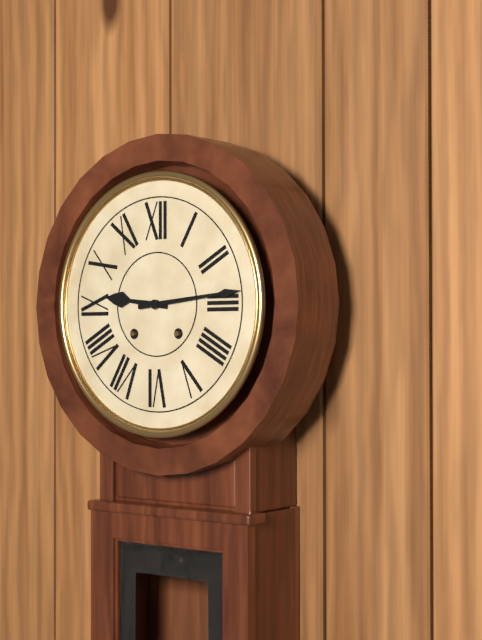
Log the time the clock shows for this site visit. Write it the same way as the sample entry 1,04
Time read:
9,14
